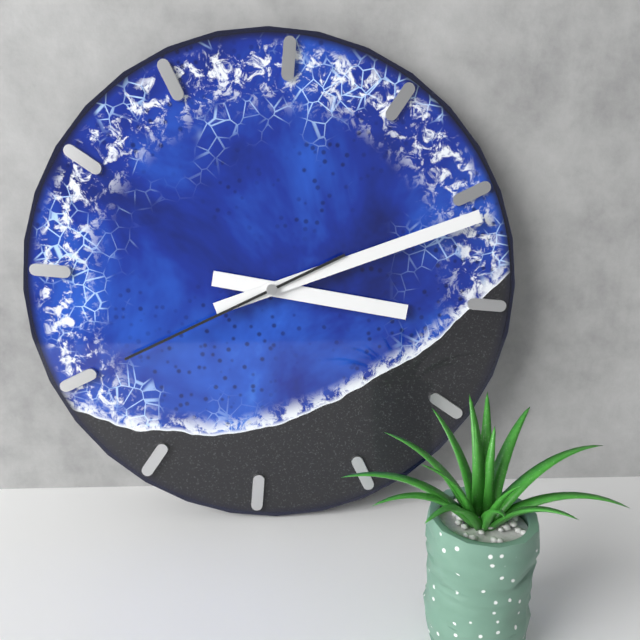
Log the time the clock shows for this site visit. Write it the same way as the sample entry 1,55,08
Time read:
3,11,40
